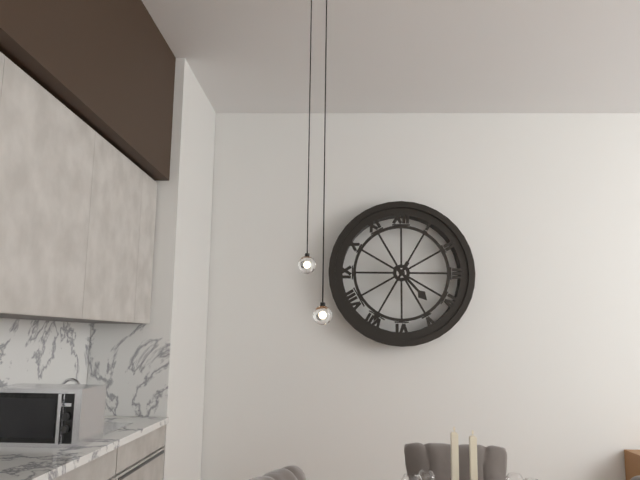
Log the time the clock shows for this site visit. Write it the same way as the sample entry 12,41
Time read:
4,35
